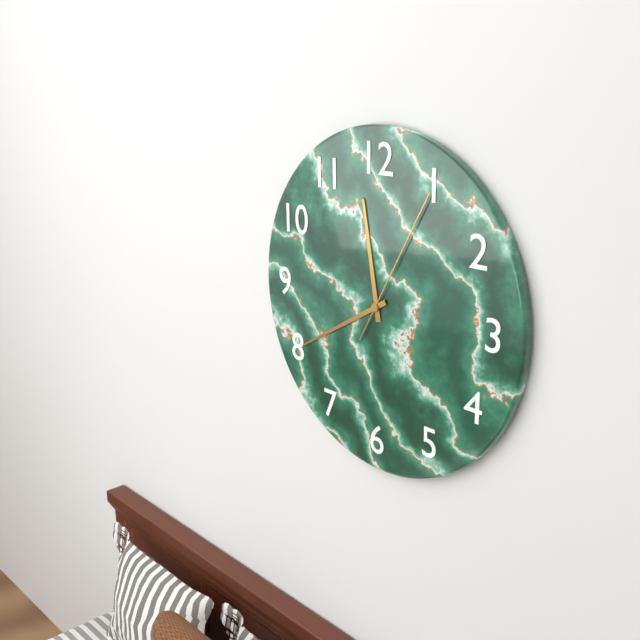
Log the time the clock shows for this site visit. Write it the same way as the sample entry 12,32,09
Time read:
11,40,05
